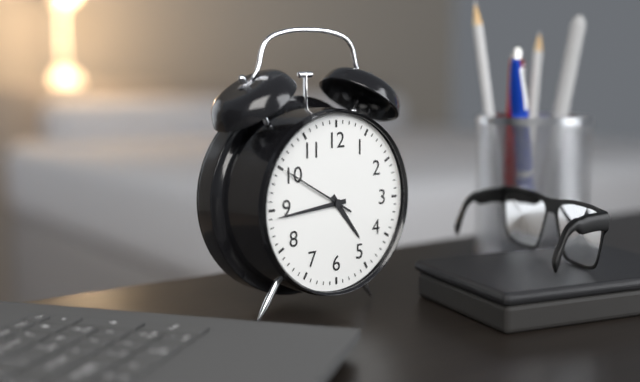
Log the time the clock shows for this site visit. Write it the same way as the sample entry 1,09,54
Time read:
4,44,50
